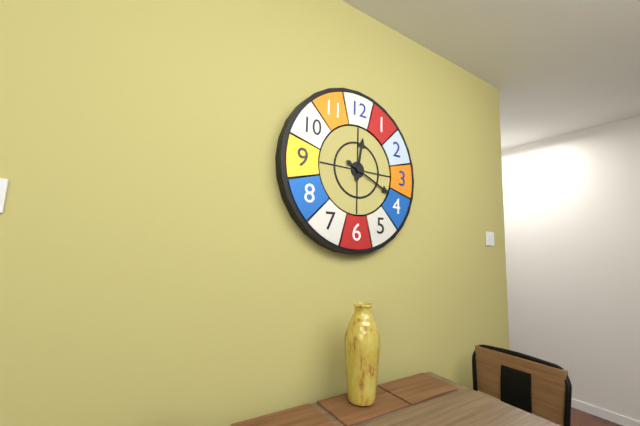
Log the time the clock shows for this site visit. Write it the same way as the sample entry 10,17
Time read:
12,19
